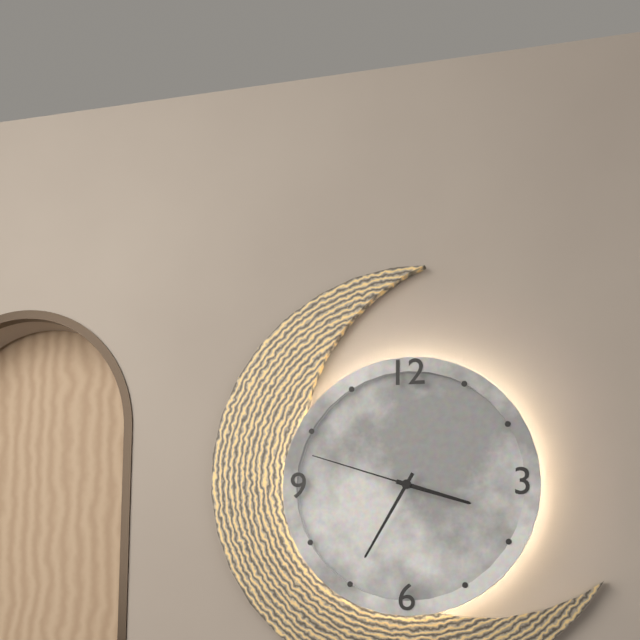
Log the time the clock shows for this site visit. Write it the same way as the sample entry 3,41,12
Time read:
3,35,48
